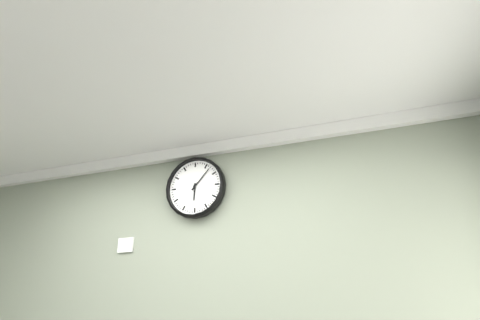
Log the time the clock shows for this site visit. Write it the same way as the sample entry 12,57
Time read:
6,07
